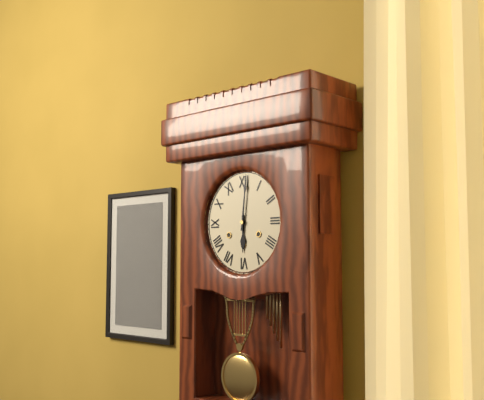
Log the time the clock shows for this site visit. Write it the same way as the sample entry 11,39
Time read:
6,01
